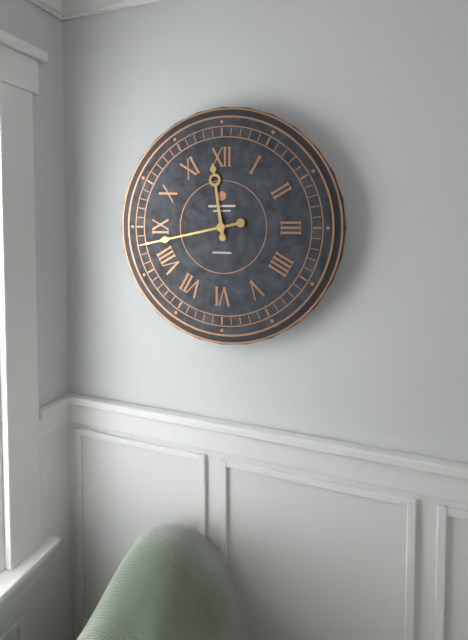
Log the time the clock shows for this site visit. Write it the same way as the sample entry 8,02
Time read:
11,43
